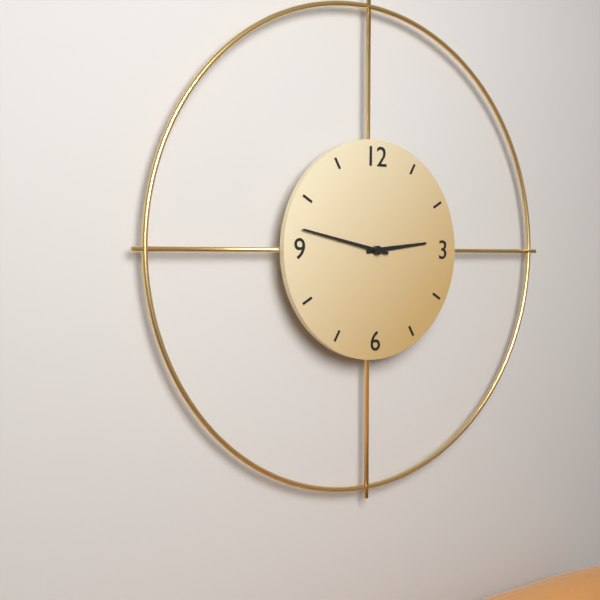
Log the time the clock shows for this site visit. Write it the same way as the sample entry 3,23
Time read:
2,47
